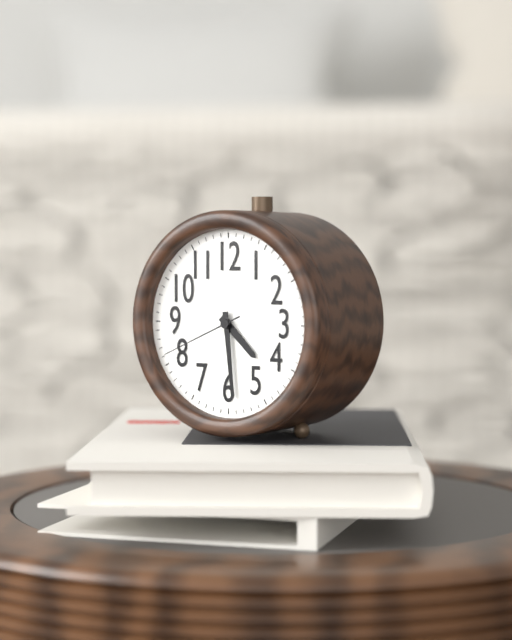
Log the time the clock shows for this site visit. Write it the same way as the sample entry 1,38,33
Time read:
4,29,41
